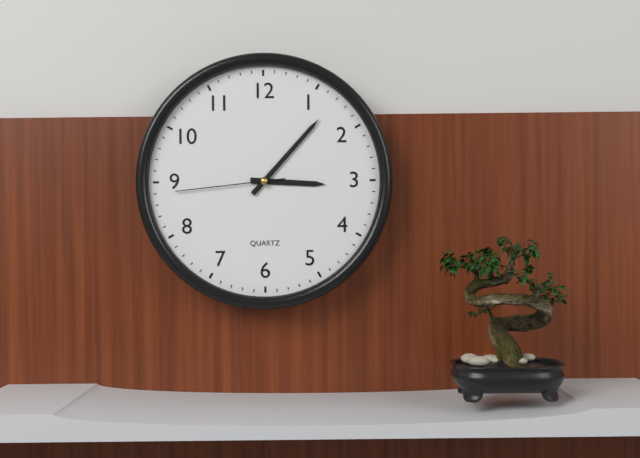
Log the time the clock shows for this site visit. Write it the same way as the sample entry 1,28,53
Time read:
3,07,44
